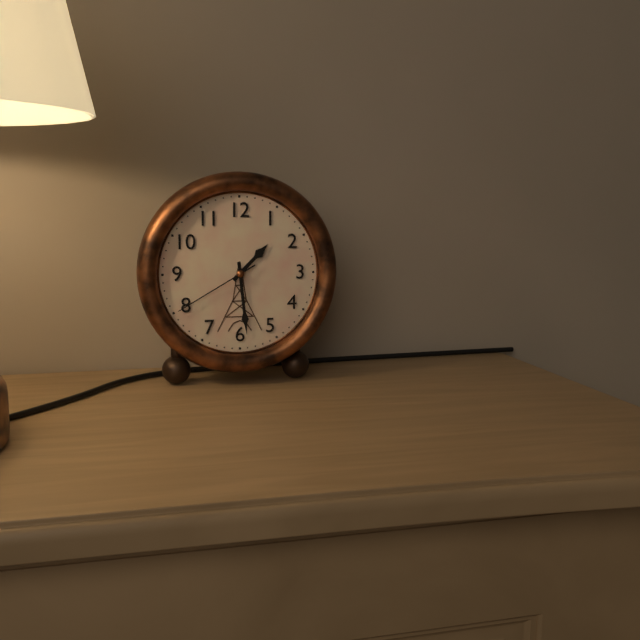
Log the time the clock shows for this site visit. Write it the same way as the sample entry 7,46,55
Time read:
1,29,40
